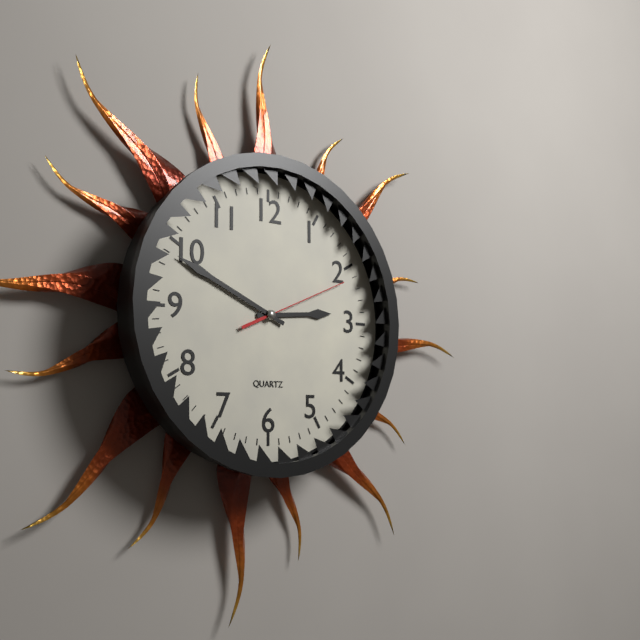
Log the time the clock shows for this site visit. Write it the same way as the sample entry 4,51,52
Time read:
2,49,11
